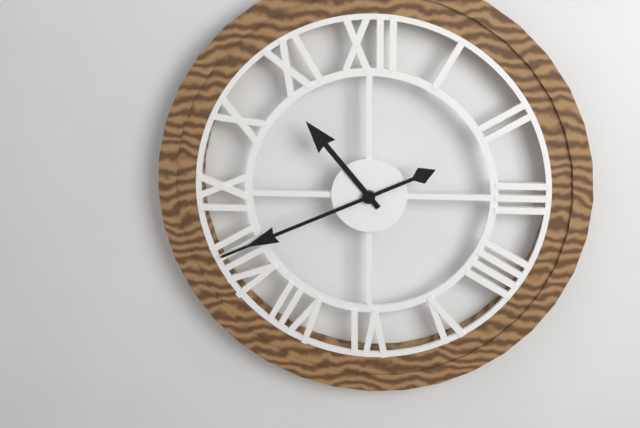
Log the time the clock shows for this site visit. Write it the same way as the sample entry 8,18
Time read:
10,41
